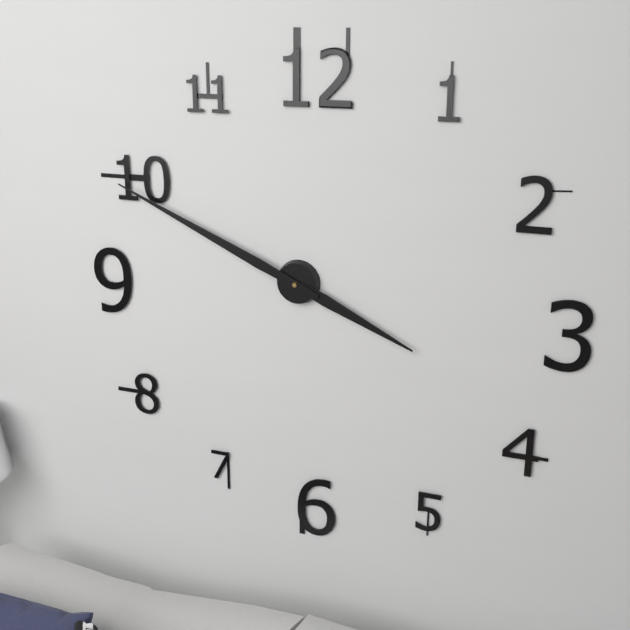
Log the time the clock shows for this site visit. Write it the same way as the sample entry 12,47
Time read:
3,49
